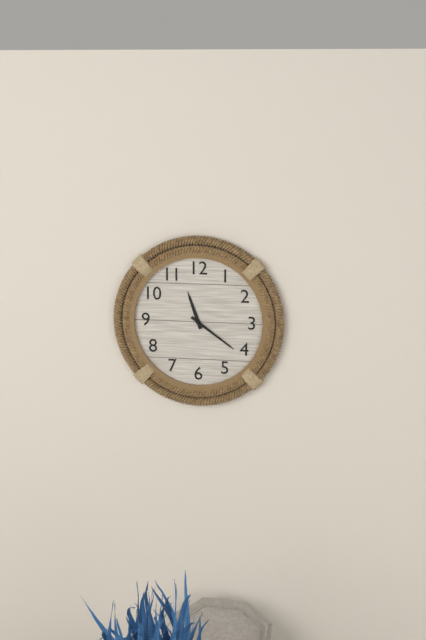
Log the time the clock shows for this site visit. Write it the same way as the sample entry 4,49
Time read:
11,21
